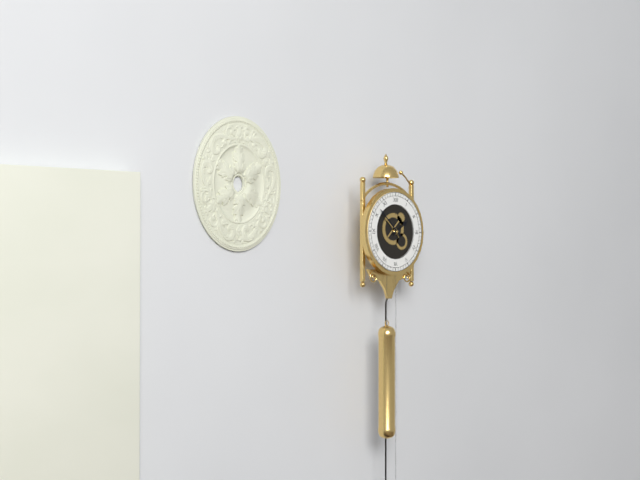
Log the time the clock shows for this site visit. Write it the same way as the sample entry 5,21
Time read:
1,52
